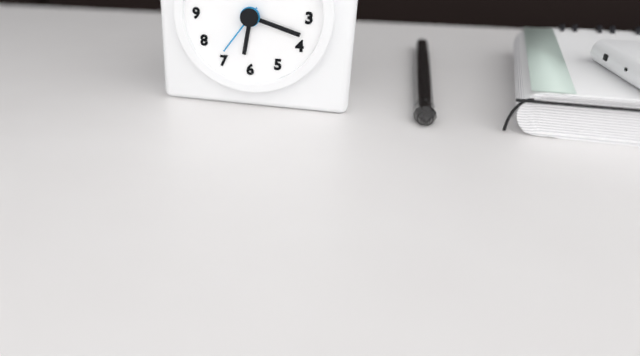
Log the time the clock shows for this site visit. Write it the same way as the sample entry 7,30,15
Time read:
6,18,36
